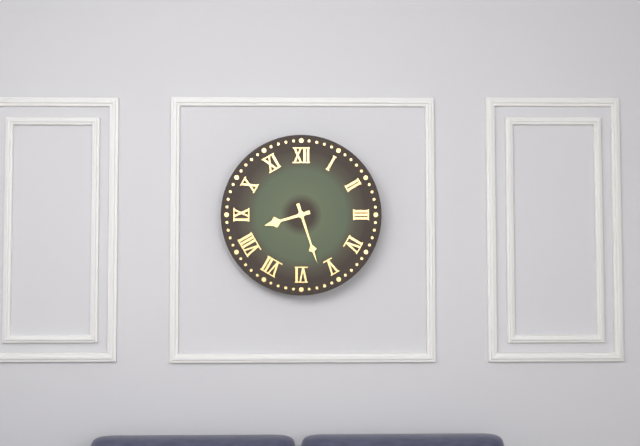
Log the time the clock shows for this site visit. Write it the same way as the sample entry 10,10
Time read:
8,27
